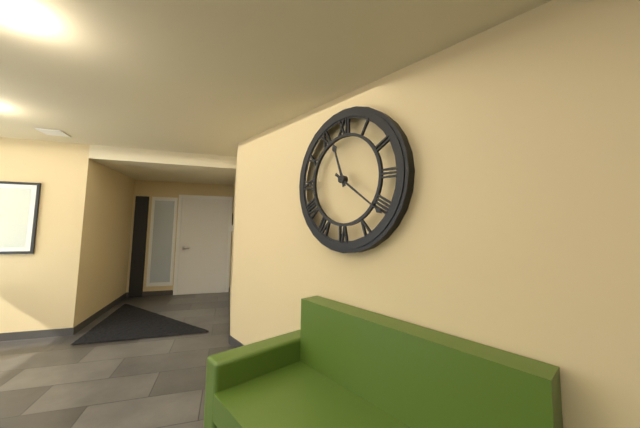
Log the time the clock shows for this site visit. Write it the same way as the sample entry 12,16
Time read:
11,21
